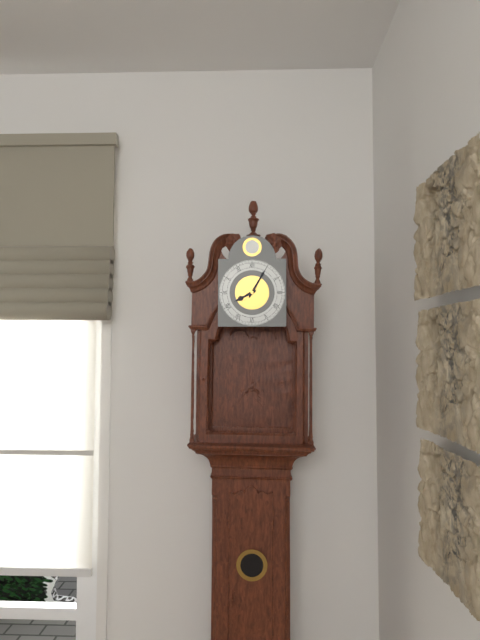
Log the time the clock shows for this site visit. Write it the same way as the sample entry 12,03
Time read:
8,05
